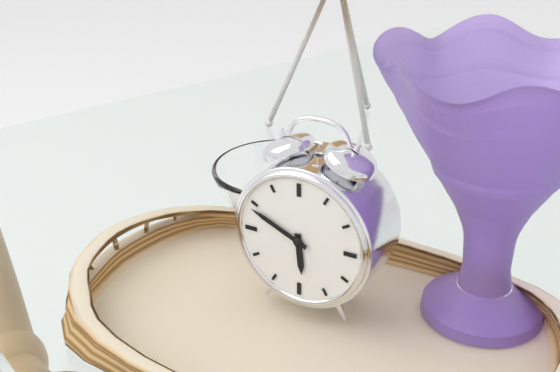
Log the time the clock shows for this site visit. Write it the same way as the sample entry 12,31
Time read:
5,49
